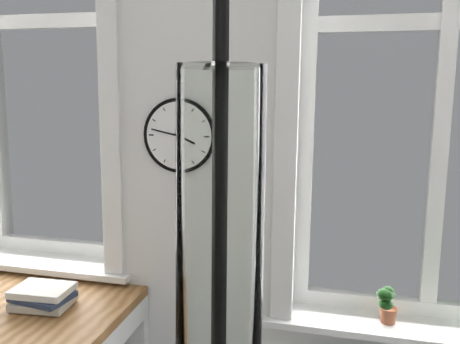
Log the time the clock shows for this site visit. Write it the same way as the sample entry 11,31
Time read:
3,47
